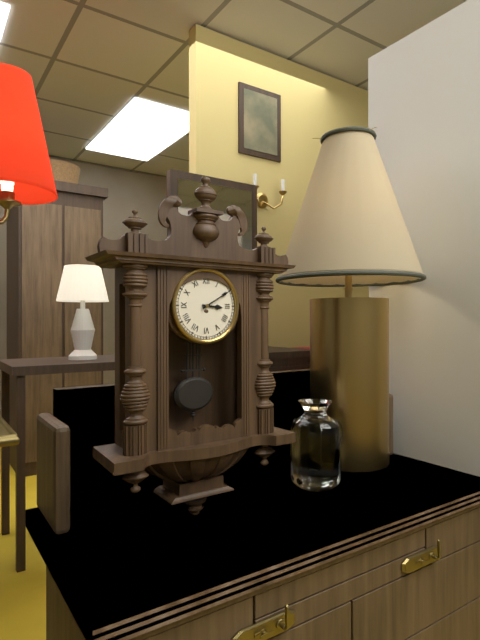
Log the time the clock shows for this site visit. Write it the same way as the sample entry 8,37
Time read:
3,10
